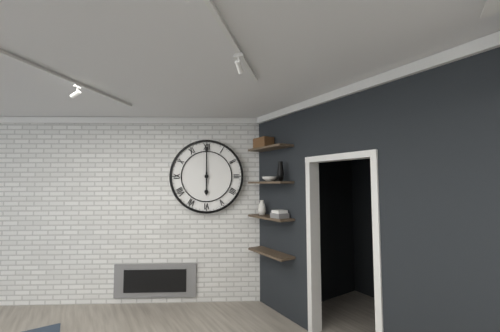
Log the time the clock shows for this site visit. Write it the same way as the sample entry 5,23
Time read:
6,00
